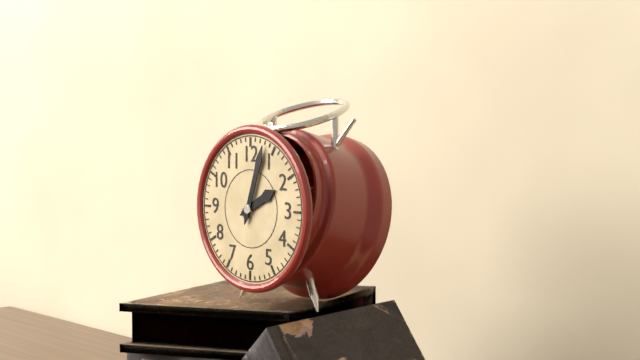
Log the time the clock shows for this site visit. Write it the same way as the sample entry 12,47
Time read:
2,03
